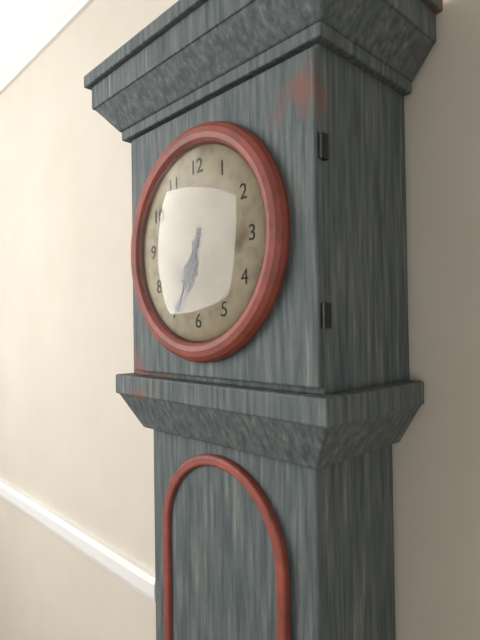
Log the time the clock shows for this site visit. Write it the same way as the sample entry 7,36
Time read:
6,34
